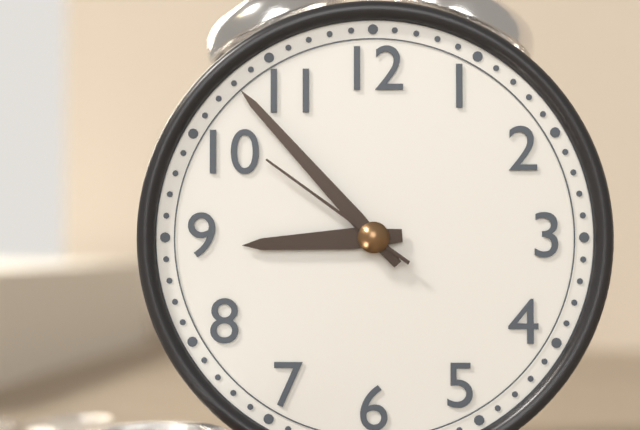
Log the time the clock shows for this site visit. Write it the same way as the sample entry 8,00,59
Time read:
8,53,51
